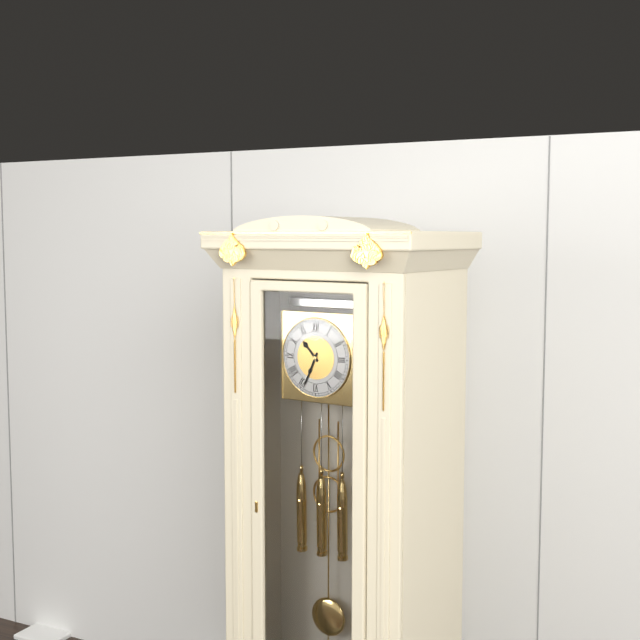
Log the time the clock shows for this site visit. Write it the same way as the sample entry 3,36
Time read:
10,34
